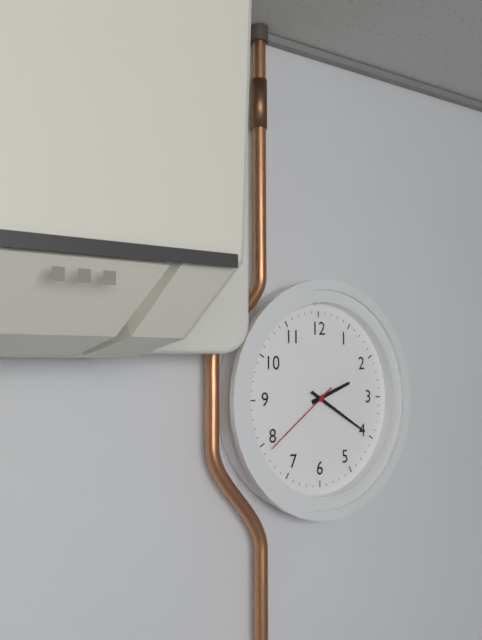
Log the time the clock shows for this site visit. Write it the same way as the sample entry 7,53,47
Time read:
2,20,39
